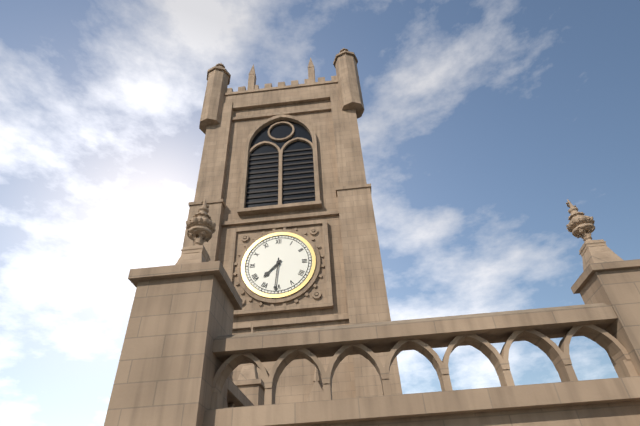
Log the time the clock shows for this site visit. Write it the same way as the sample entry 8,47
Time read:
7,31
